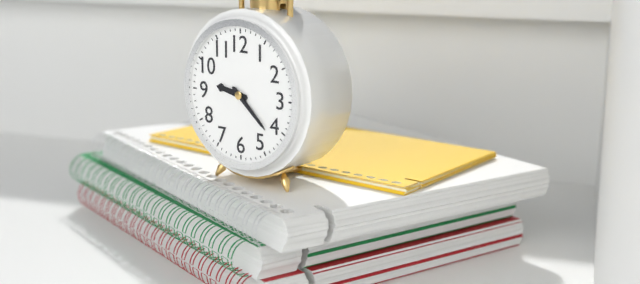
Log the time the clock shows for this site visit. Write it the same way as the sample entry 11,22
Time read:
9,22
